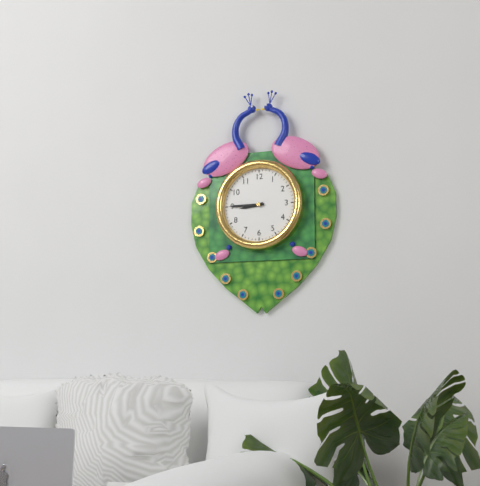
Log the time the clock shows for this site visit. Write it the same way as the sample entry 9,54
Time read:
8,45
